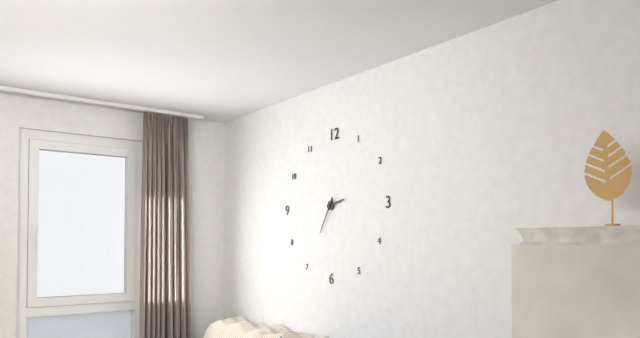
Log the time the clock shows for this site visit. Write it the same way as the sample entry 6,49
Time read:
2,35
